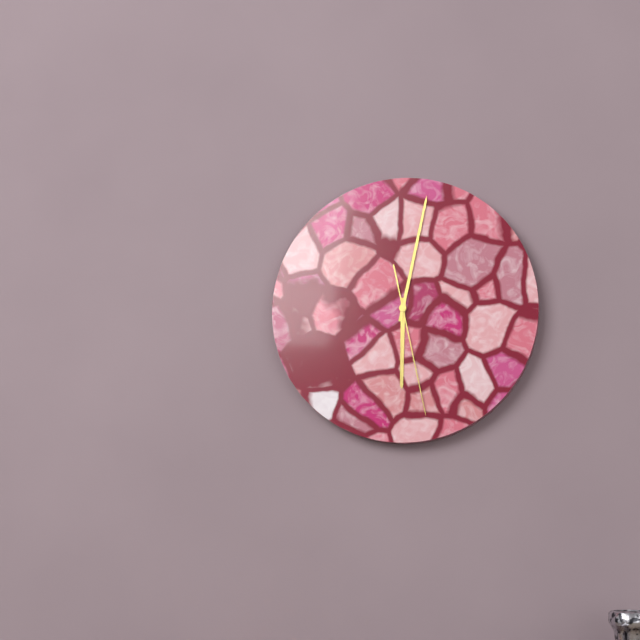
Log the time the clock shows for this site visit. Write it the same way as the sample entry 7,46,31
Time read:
6,02,28
